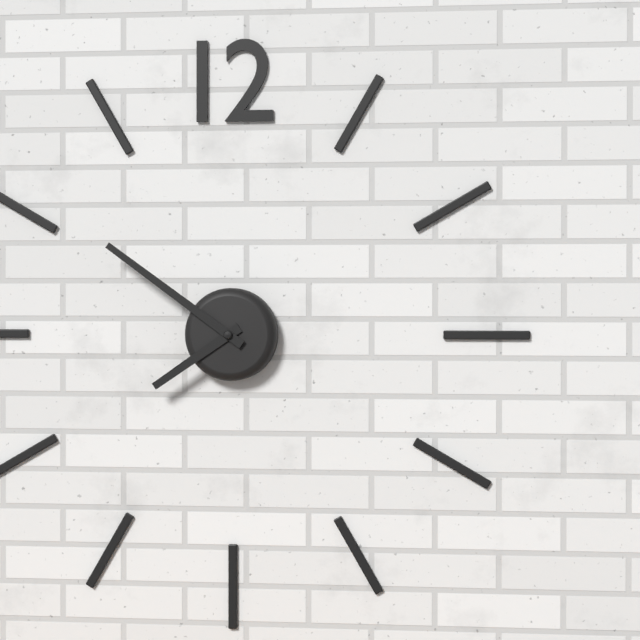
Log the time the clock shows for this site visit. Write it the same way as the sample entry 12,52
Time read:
7,51
